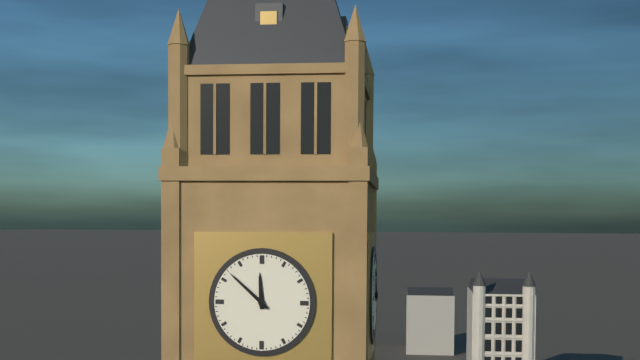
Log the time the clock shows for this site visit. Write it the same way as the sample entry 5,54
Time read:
11,52
